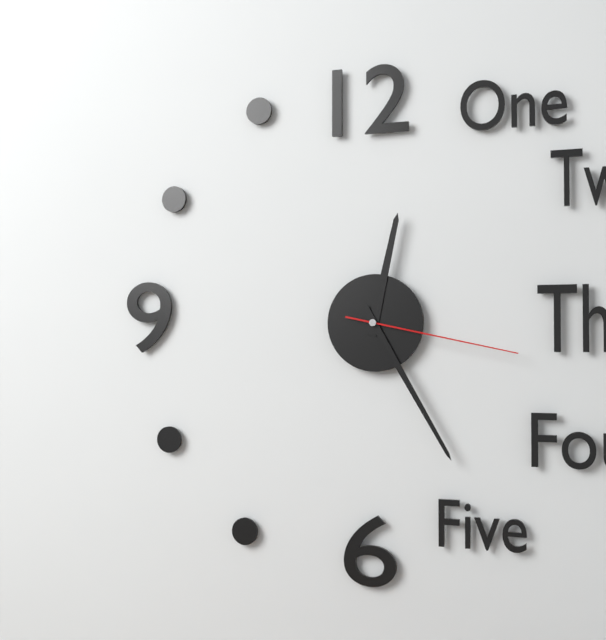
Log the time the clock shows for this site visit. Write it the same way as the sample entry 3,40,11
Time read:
12,25,17
